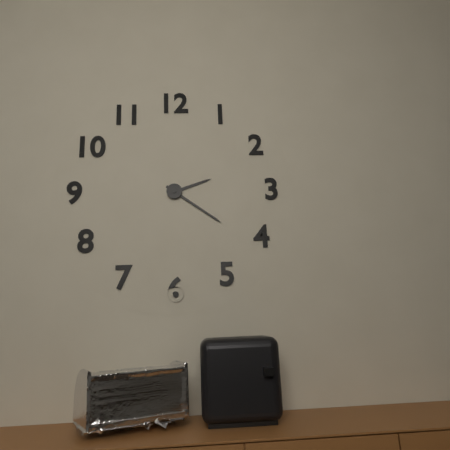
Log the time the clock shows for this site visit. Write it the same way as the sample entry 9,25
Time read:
2,21
